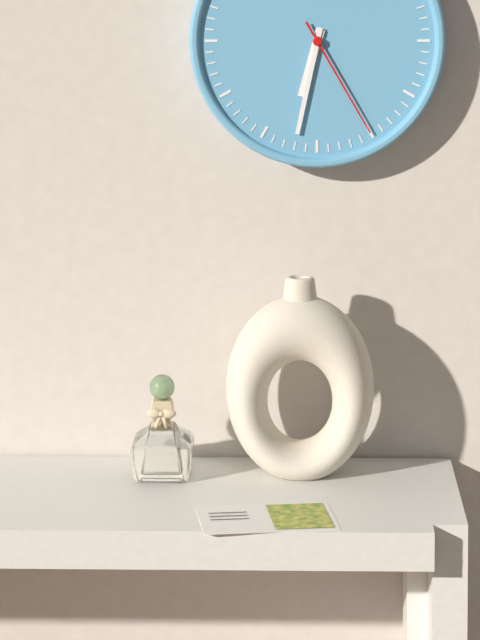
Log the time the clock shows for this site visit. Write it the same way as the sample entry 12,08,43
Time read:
6,32,25
